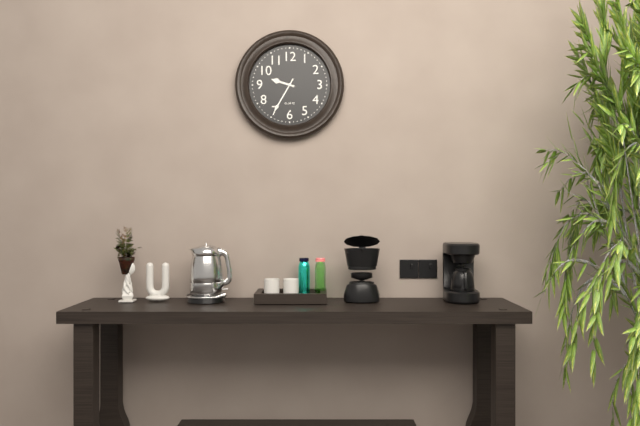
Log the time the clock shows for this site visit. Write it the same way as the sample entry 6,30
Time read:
9,35
